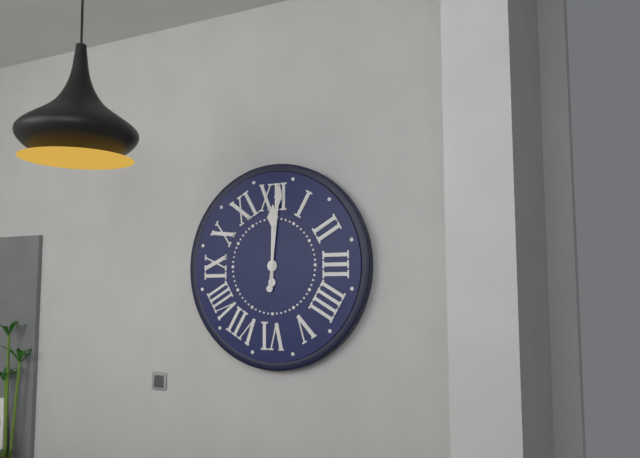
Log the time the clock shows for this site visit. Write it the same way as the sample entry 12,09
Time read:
12,01
